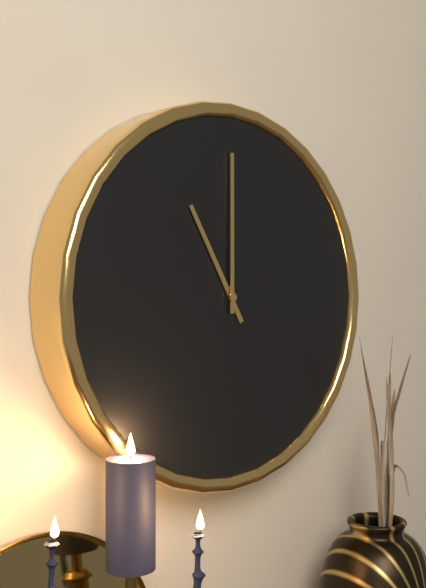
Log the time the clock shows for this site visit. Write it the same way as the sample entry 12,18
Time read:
11,00
